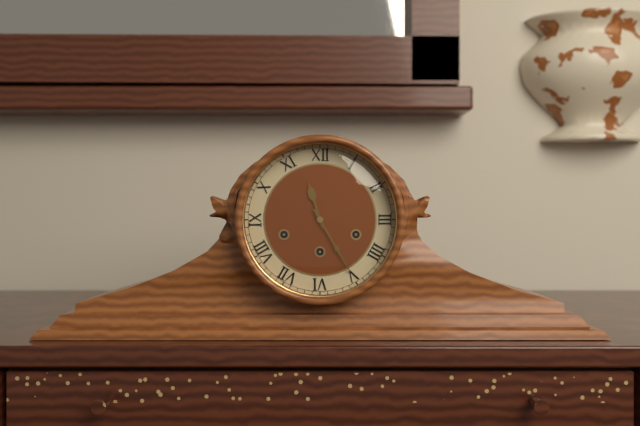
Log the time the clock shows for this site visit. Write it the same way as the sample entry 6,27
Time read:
11,25
